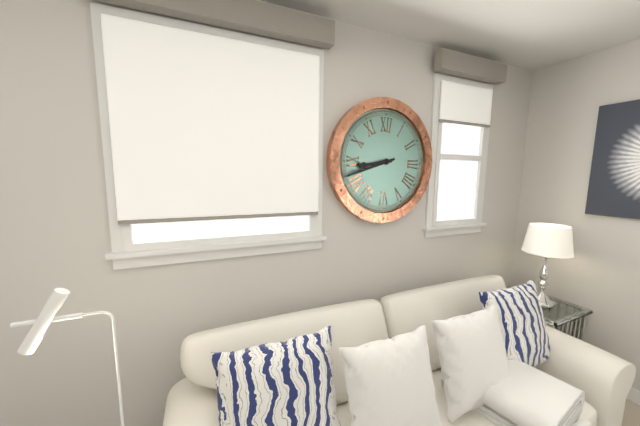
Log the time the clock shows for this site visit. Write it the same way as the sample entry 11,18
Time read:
8,42
